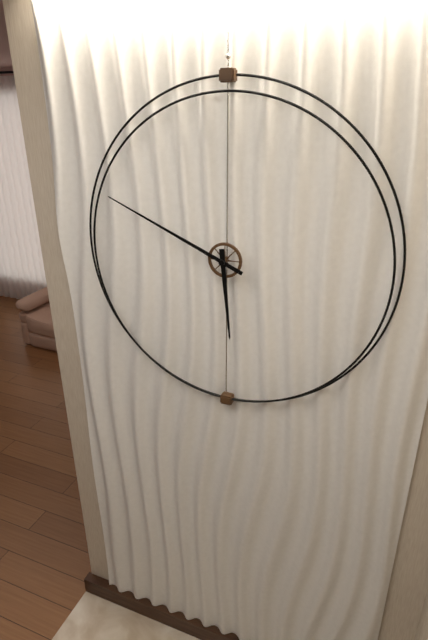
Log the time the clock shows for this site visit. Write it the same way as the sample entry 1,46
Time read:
5,49
